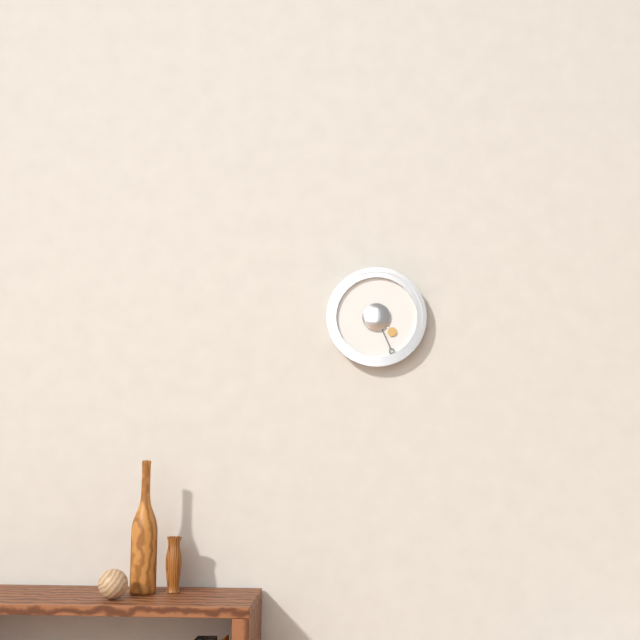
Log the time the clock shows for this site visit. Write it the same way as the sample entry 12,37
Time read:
4,26
